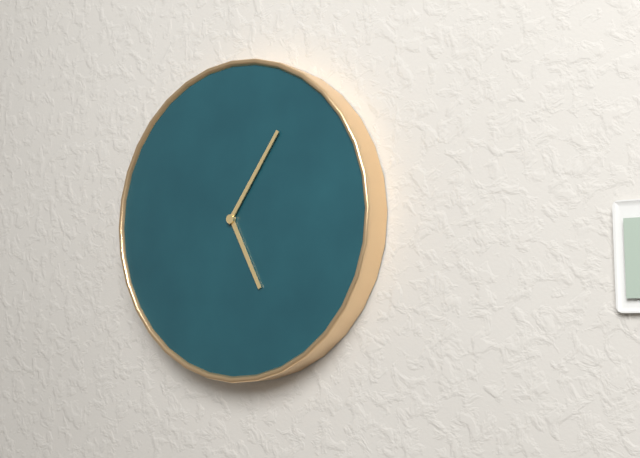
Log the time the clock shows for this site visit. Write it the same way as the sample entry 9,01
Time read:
5,06
